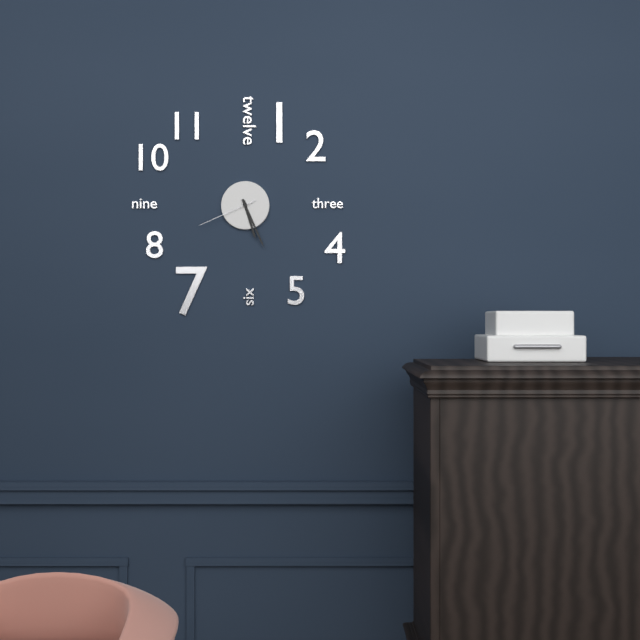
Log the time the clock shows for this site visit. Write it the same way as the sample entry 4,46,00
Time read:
5,26,41
